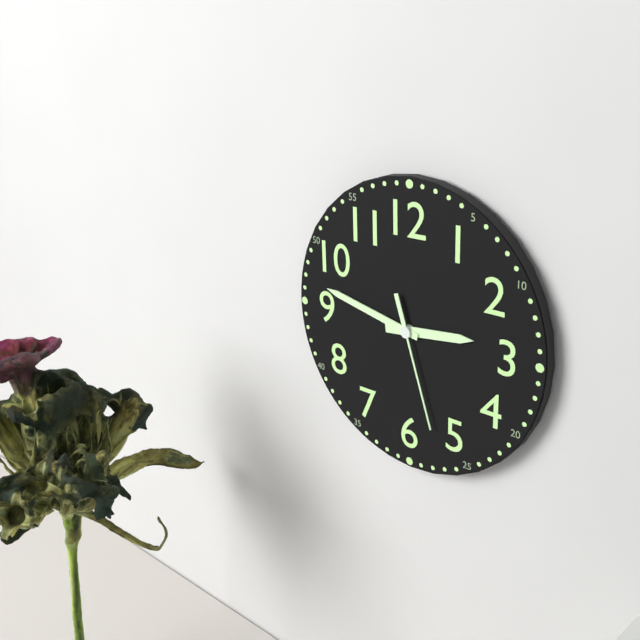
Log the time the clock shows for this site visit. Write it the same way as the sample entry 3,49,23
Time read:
2,47,27
